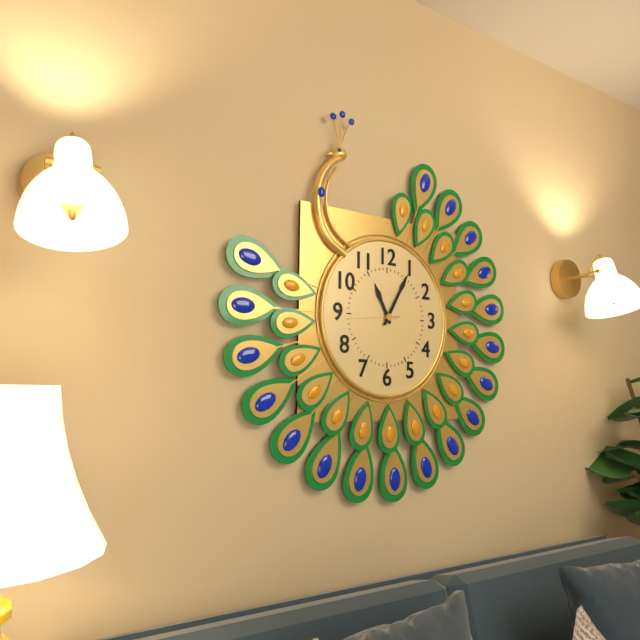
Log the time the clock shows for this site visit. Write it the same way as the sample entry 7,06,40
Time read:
11,05,44
